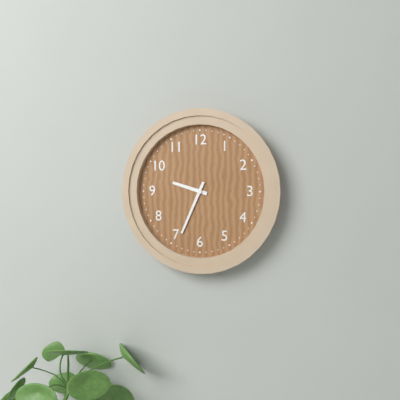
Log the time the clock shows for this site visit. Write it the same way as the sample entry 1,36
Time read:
9,34
